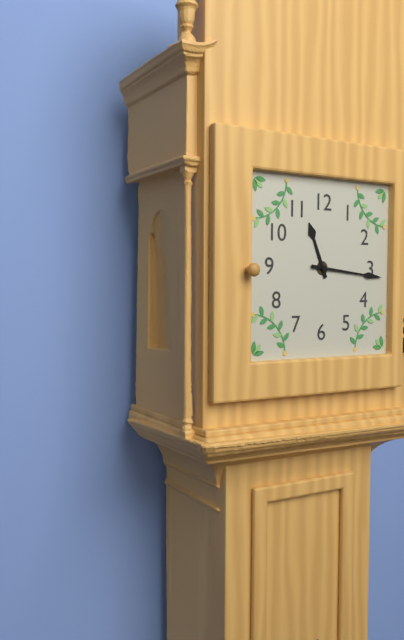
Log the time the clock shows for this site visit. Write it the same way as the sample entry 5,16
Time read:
11,16
